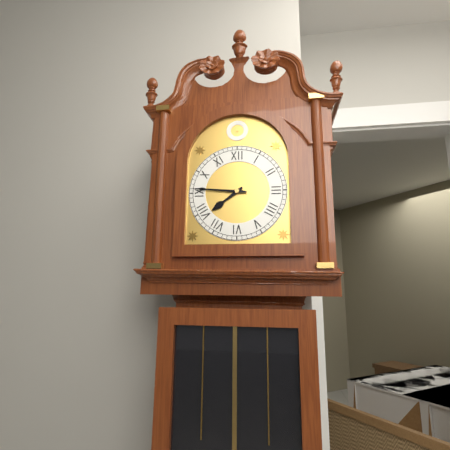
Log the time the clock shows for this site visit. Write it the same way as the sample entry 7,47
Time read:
7,46
